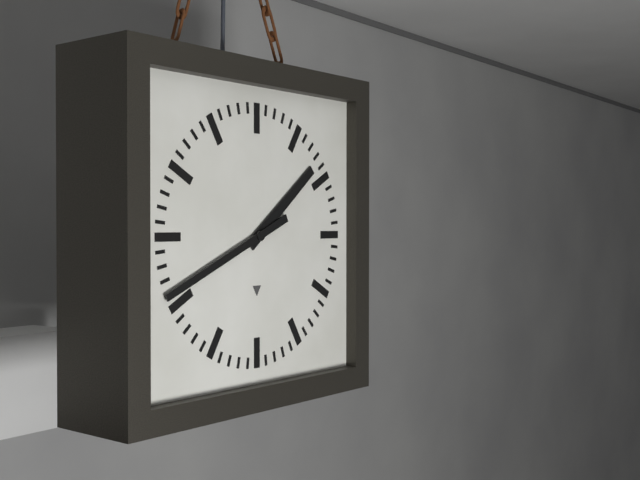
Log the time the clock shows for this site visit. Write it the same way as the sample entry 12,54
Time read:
1,41
